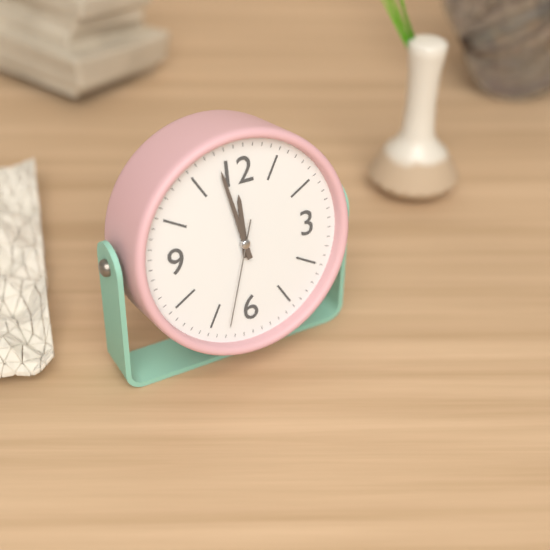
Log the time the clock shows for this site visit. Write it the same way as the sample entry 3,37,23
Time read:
11,58,33
